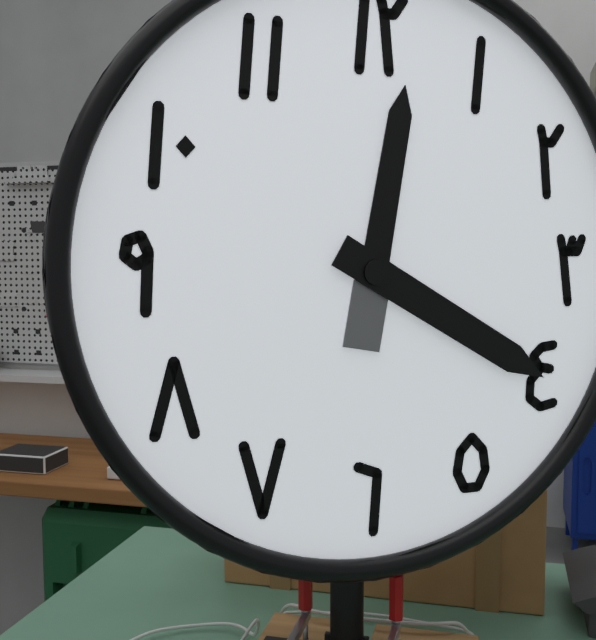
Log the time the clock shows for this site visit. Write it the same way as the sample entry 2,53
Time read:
12,20
